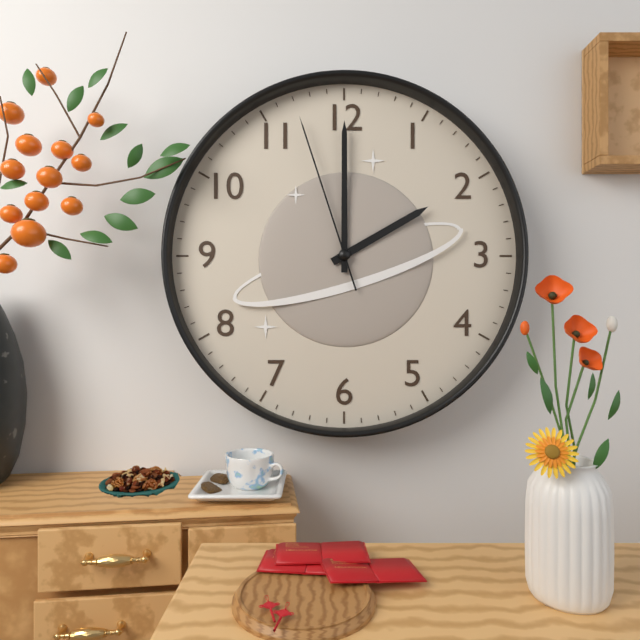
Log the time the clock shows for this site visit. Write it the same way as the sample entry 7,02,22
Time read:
2,00,57
